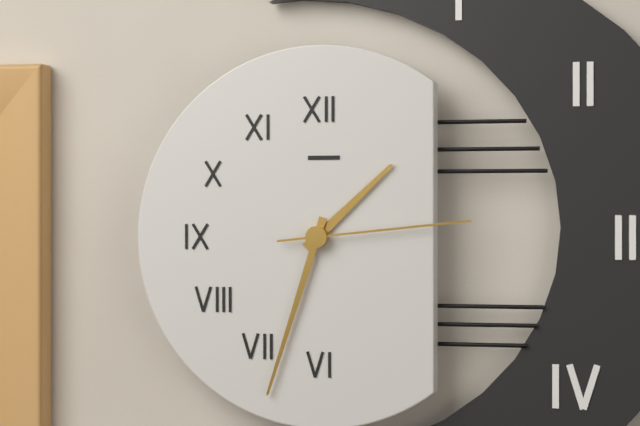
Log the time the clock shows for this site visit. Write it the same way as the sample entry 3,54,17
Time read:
1,33,14
